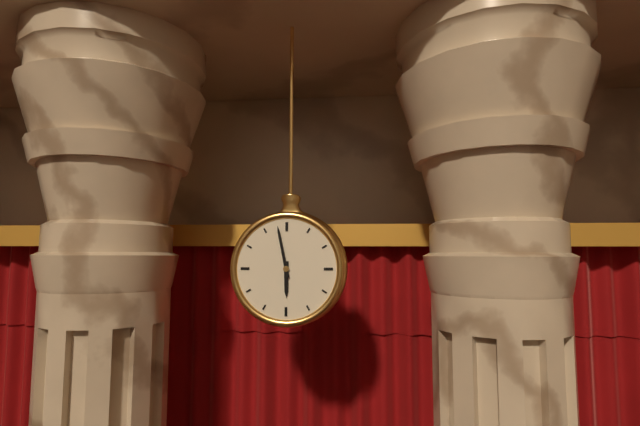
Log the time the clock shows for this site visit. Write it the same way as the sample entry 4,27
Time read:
5,58
